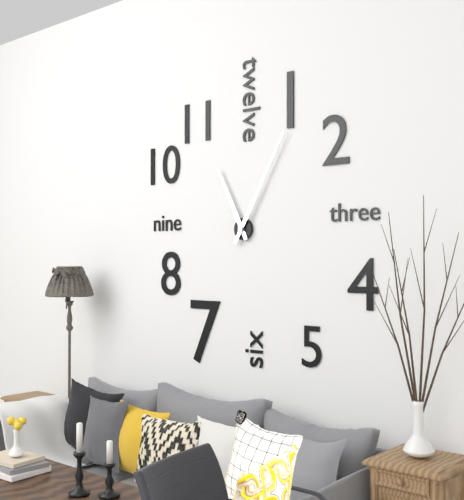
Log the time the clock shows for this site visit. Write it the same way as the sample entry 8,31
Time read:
11,05
